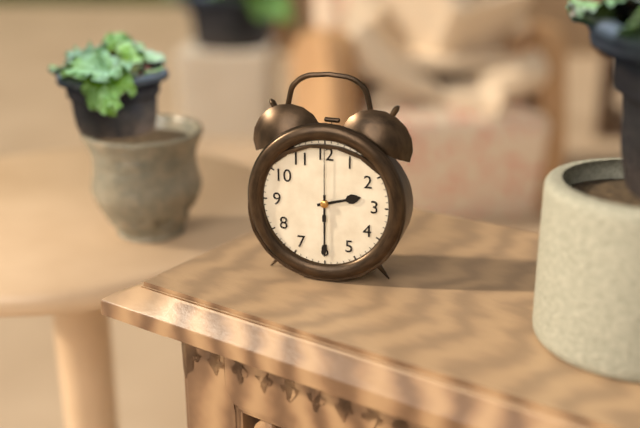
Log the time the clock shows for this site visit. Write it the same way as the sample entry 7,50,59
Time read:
2,30,00
